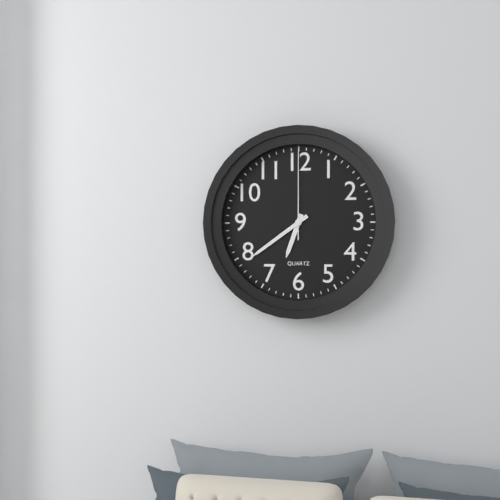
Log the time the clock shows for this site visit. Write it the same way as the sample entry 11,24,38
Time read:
6,39,00
